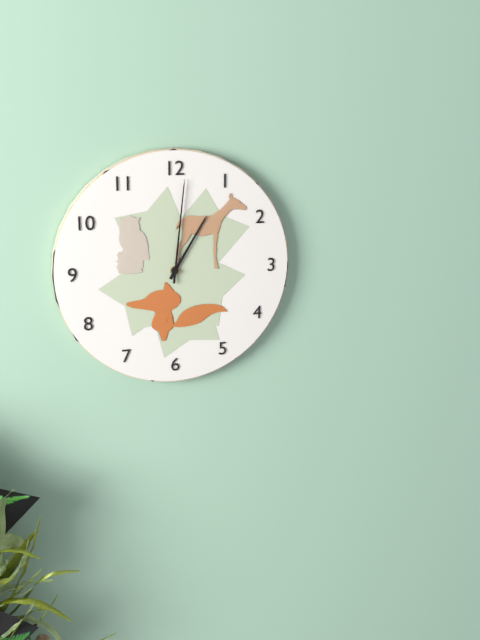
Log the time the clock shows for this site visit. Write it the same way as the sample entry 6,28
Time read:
1,01
